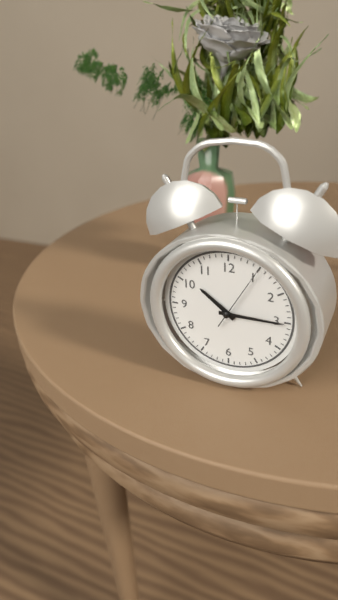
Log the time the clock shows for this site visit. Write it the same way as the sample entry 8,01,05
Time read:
10,15,05
